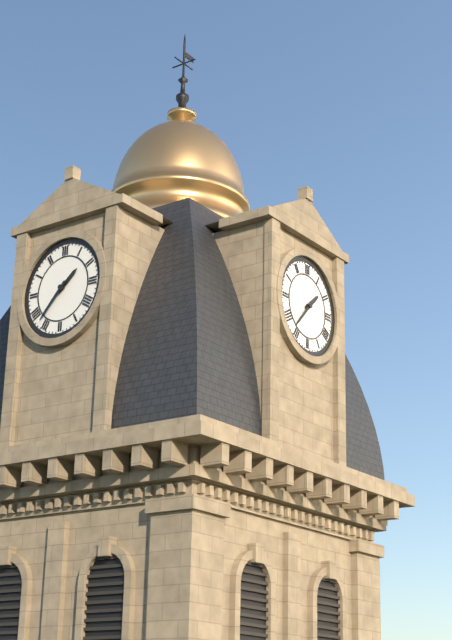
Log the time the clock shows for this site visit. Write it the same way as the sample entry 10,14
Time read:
1,37
